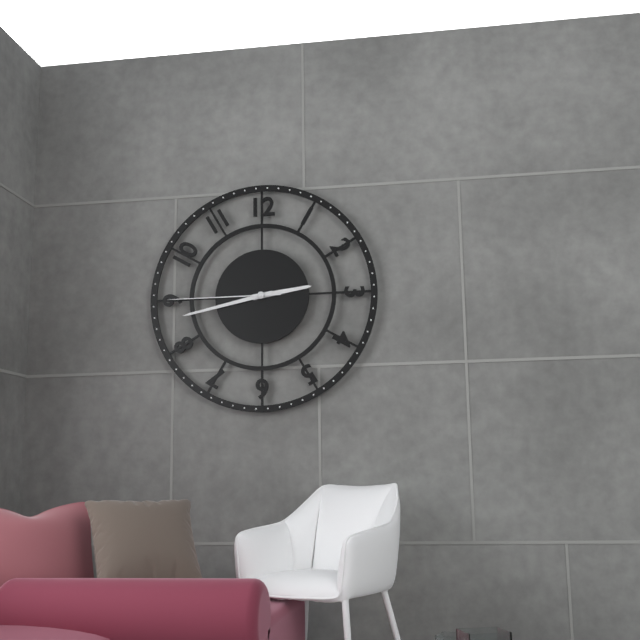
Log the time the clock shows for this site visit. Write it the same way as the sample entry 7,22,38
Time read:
2,43,45
